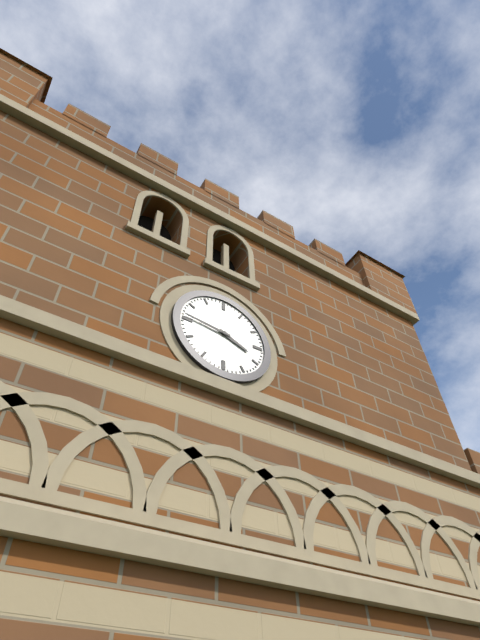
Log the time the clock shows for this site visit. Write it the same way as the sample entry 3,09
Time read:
3,46
